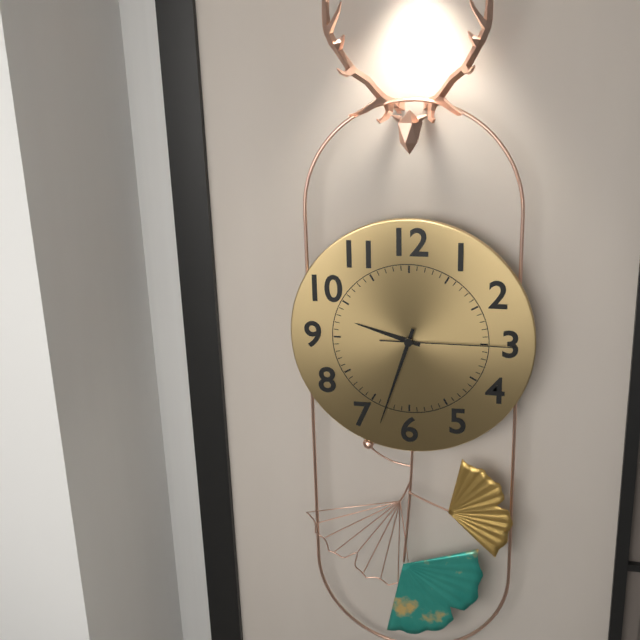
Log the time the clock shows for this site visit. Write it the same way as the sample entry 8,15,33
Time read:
9,33,15
